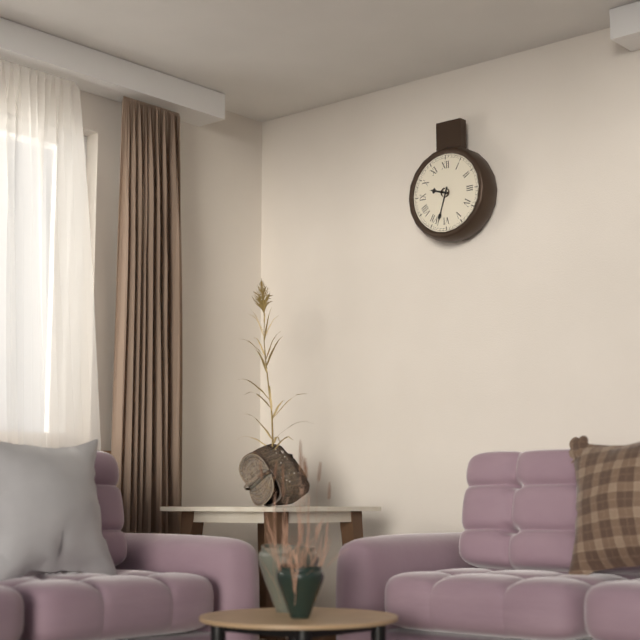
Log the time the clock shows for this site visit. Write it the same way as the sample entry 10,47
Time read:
9,33
